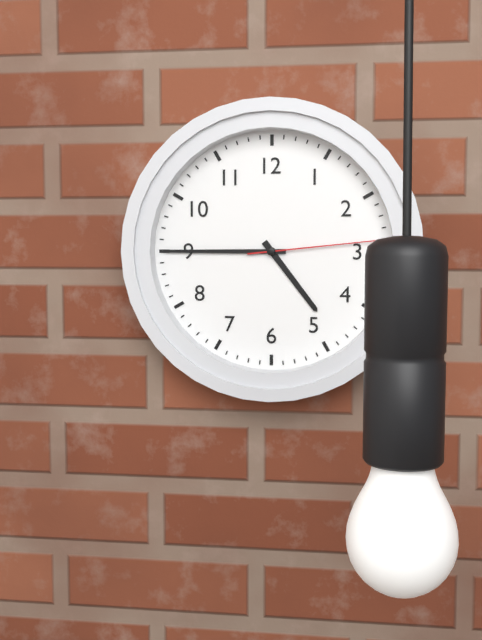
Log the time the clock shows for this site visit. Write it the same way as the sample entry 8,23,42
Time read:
4,45,14
